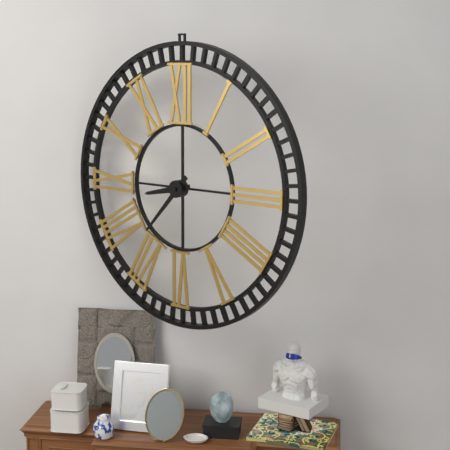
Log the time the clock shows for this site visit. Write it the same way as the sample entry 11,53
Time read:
8,37
